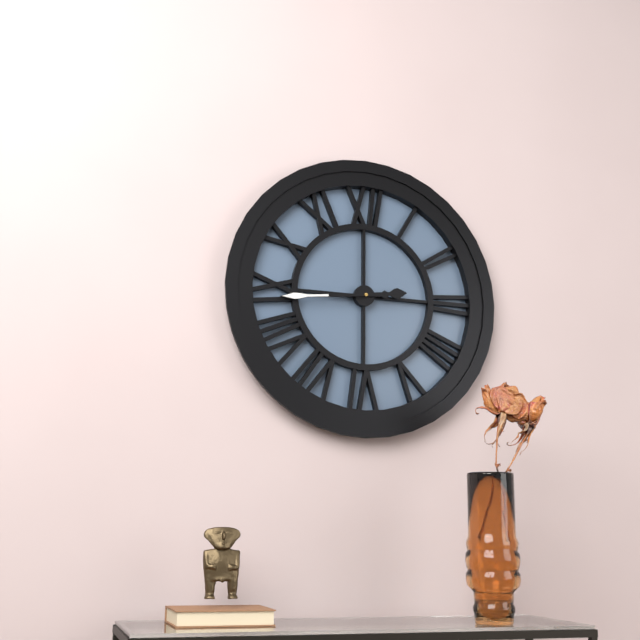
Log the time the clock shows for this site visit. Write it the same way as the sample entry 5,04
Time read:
2,44
